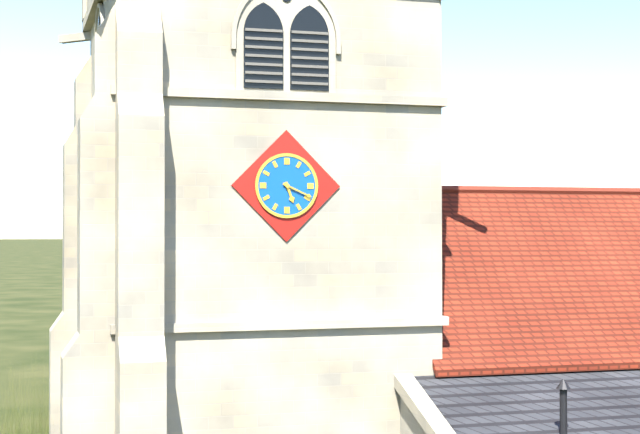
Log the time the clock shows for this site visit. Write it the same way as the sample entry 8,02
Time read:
5,19
